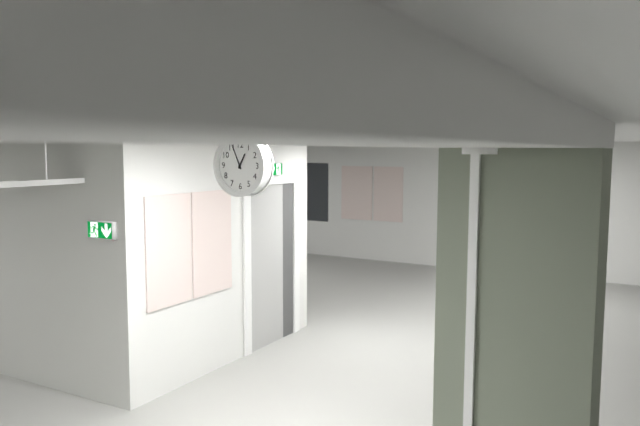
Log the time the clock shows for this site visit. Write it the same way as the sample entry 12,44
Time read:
12,56
